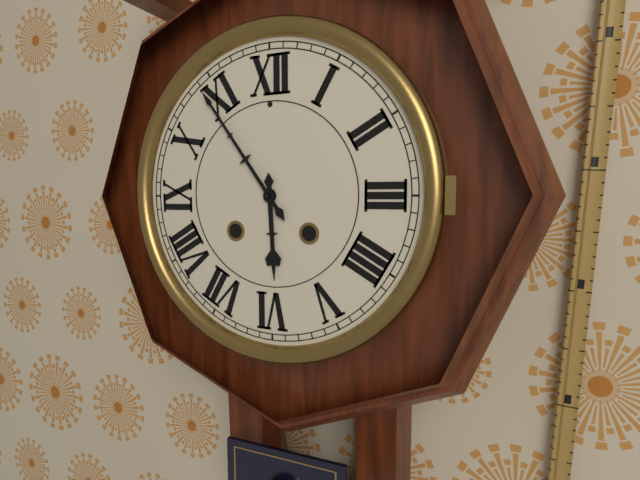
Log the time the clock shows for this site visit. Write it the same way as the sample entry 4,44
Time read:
5,54
